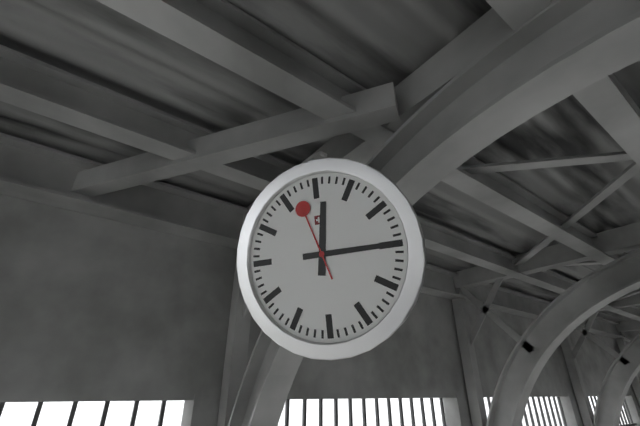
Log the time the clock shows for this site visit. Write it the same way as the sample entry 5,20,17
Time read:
12,15,57
